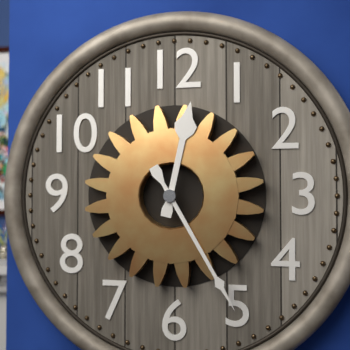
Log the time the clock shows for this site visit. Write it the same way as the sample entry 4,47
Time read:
12,25
